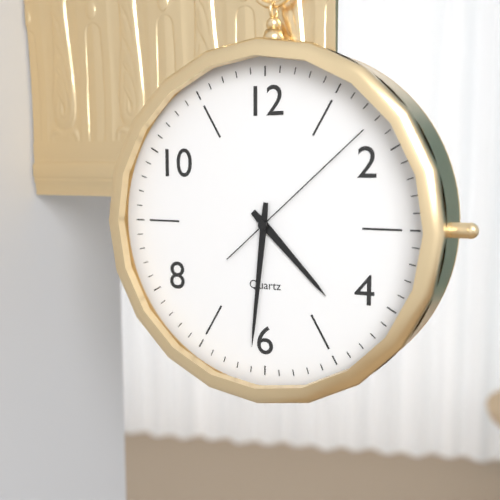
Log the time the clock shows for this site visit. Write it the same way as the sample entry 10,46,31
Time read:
4,31,08
